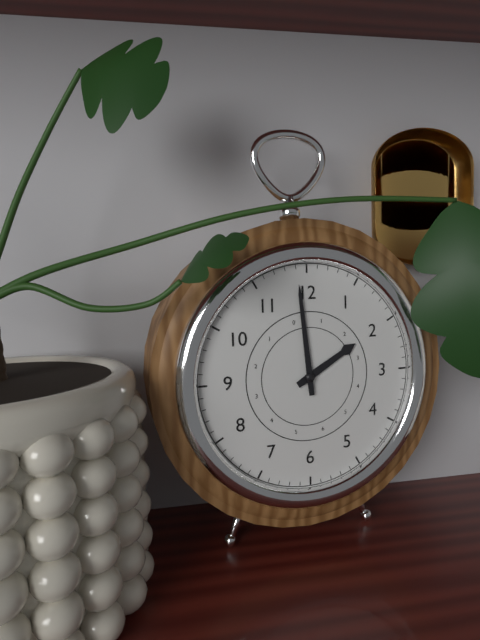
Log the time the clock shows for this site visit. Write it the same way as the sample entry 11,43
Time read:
1,59
